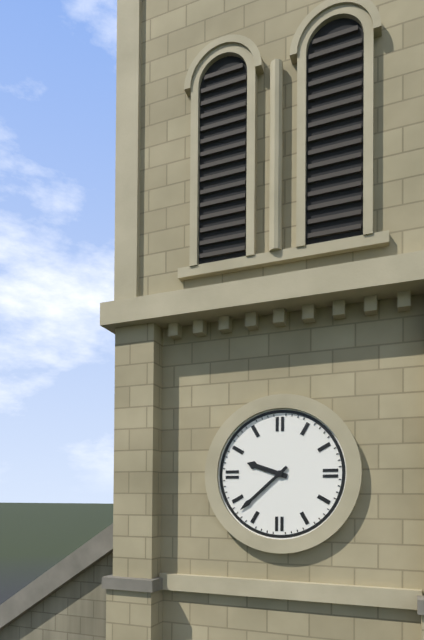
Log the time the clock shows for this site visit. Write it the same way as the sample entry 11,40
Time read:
9,38
